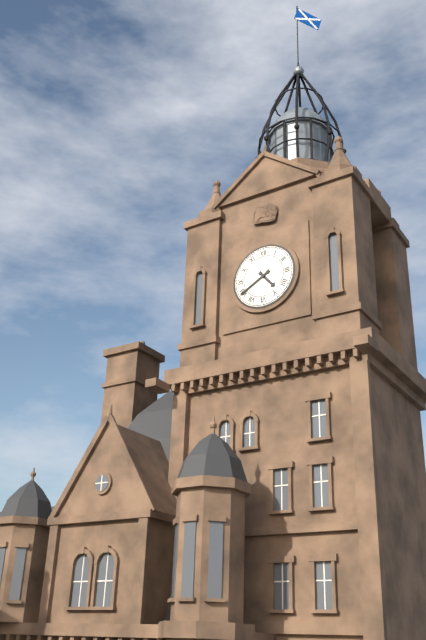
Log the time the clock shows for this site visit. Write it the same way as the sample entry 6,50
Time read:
4,40
